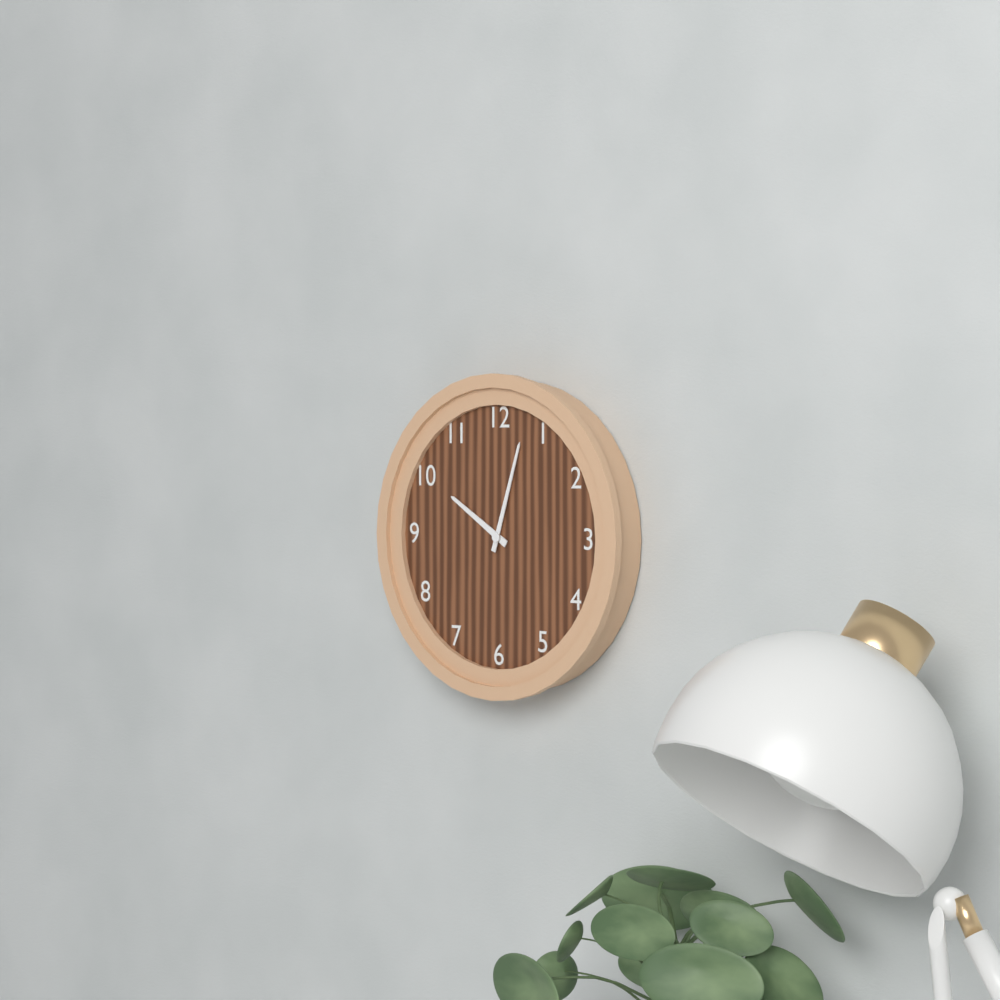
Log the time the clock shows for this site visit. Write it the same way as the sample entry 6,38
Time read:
10,03
